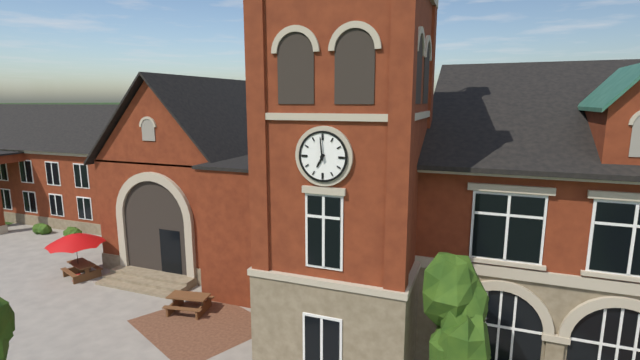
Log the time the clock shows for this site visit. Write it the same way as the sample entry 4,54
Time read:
6,59
